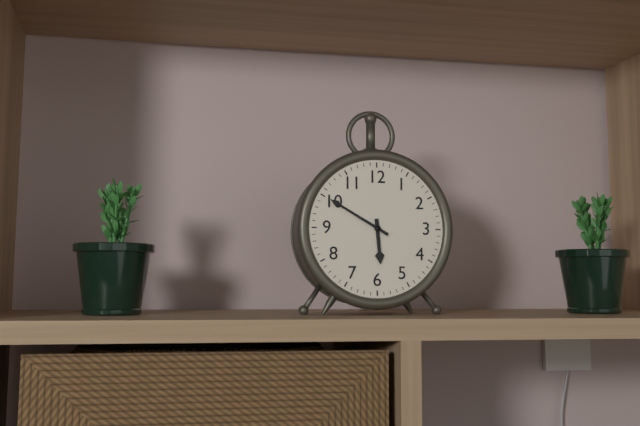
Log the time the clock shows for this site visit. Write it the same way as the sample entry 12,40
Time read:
5,50
